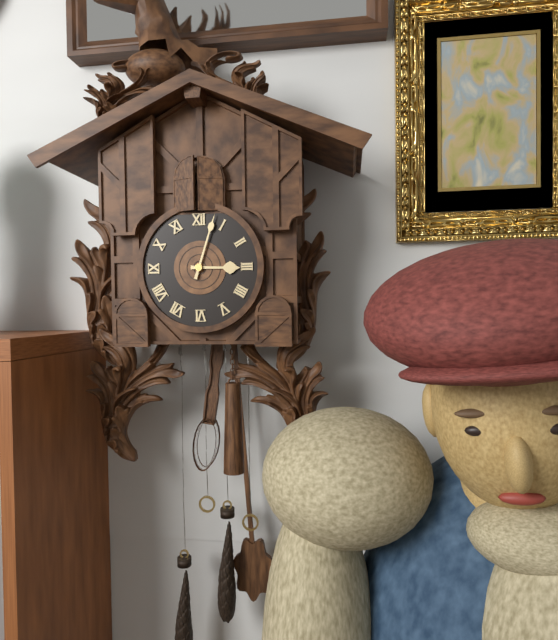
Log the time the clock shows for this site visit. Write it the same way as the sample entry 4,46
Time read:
3,03
